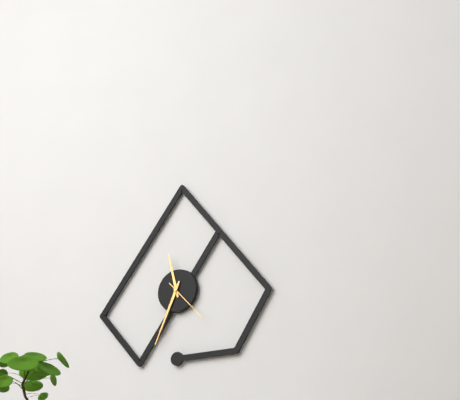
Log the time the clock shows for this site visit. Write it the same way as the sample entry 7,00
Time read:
11,34
